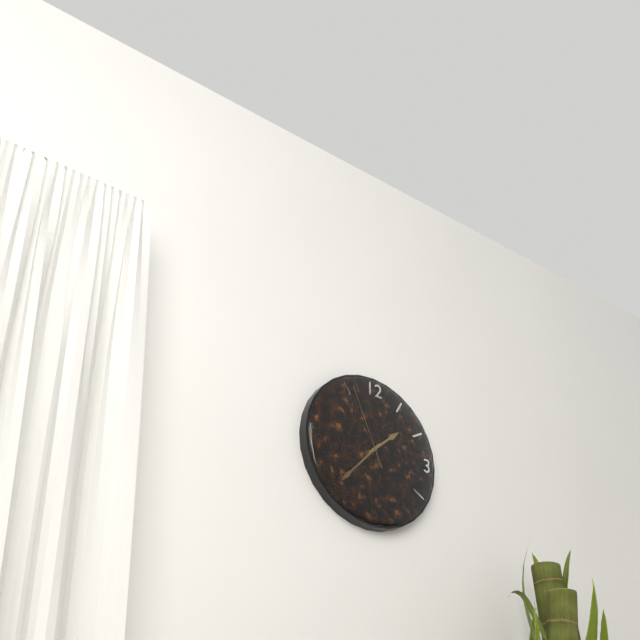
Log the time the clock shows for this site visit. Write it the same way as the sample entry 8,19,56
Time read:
1,37,56
